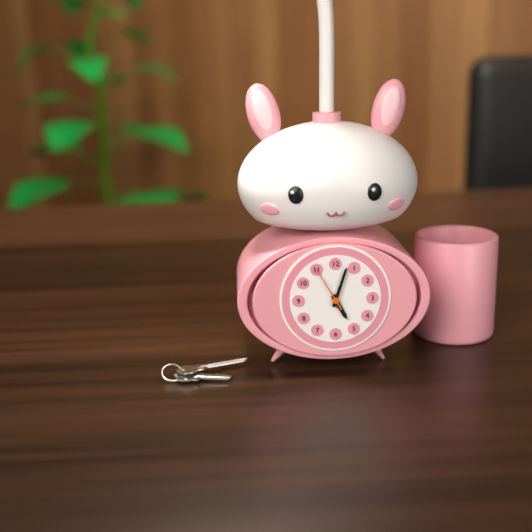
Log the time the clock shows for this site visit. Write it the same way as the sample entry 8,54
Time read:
5,03
